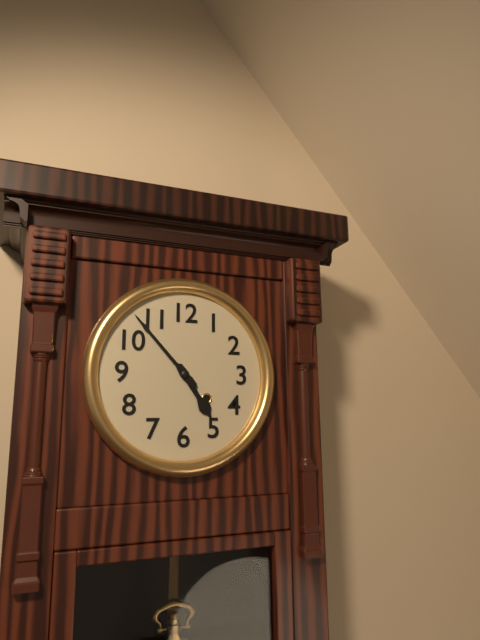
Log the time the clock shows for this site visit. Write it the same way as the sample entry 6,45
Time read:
4,53
